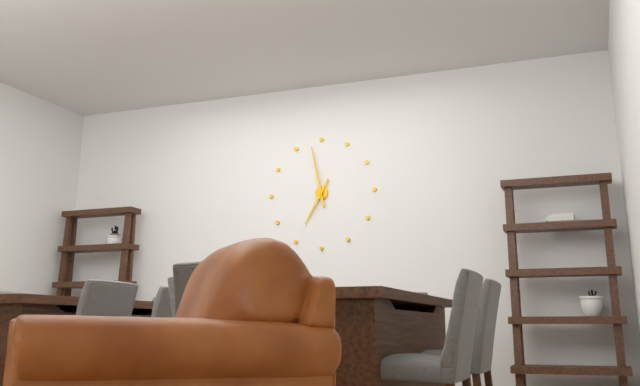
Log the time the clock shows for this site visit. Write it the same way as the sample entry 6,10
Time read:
6,58
